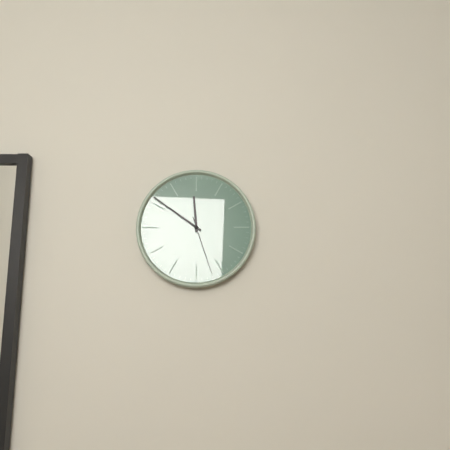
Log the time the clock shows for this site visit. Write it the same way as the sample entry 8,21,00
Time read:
11,51,27
